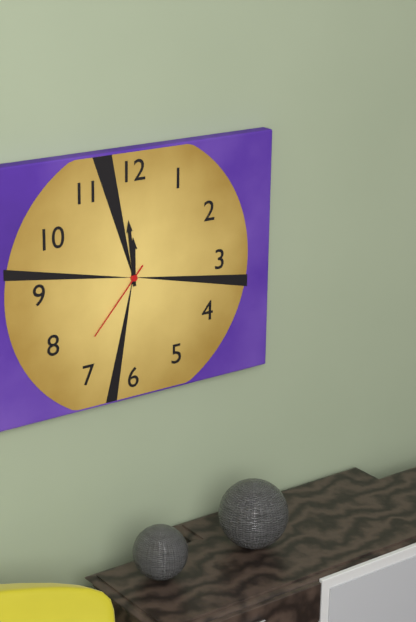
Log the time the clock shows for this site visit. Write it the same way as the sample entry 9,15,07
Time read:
11,59,37
